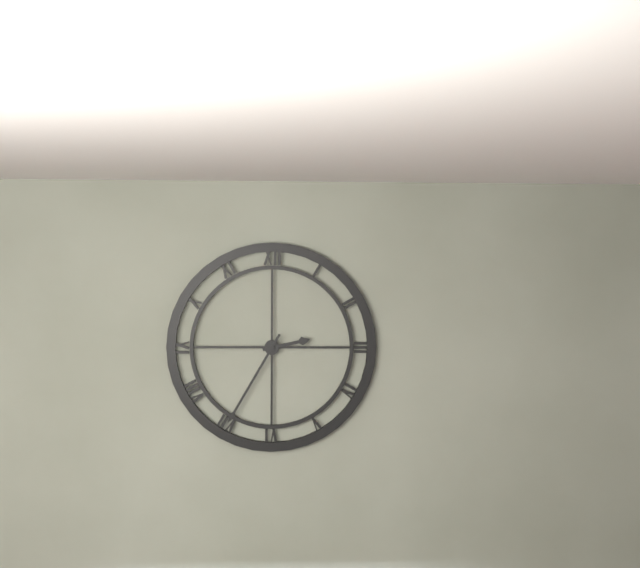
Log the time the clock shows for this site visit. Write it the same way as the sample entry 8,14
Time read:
2,35
